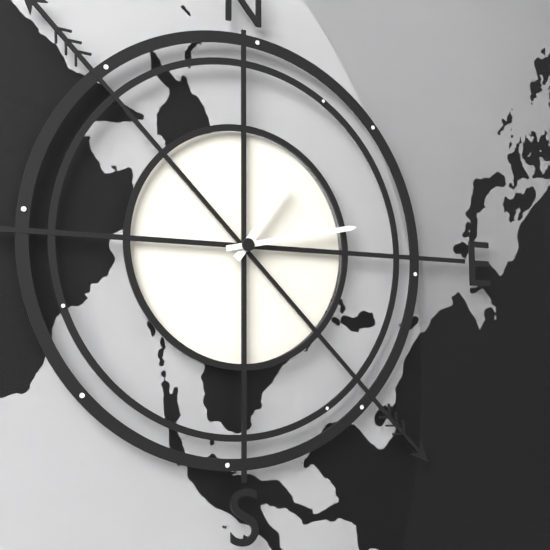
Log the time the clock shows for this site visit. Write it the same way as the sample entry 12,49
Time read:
1,13
